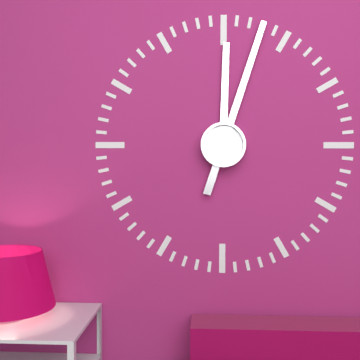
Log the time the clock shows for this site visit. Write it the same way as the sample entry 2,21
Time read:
12,03
